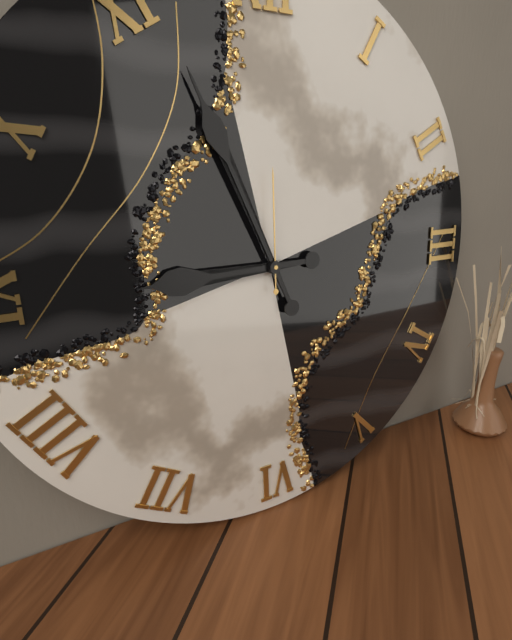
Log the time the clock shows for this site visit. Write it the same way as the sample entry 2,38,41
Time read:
8,56,00
